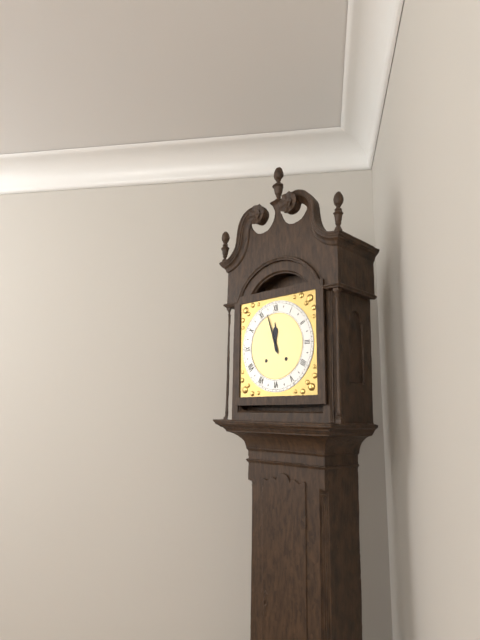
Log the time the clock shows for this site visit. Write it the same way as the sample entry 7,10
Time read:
11,57
